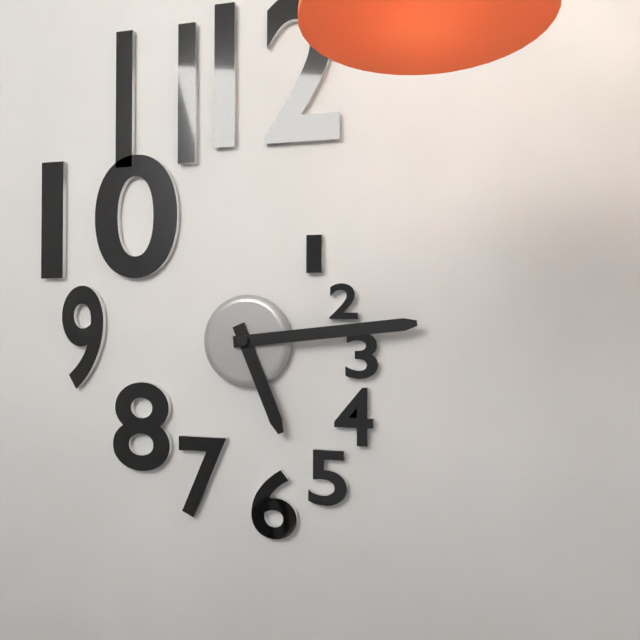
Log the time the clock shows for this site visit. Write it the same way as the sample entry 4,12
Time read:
5,14
